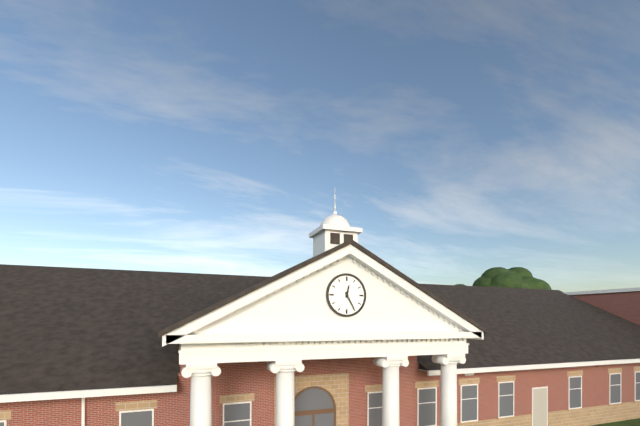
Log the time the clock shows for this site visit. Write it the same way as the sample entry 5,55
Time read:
12,25
